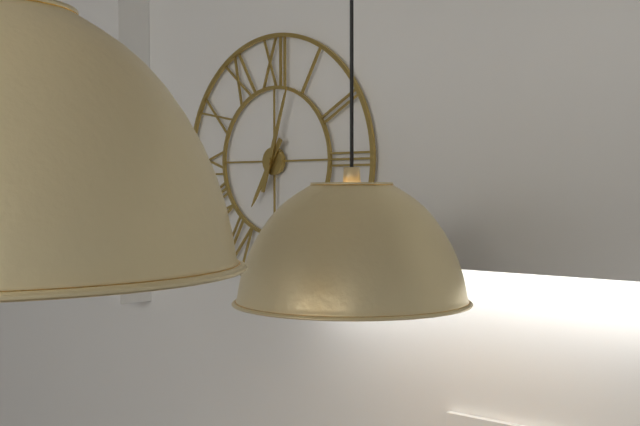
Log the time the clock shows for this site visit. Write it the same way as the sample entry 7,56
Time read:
7,03
